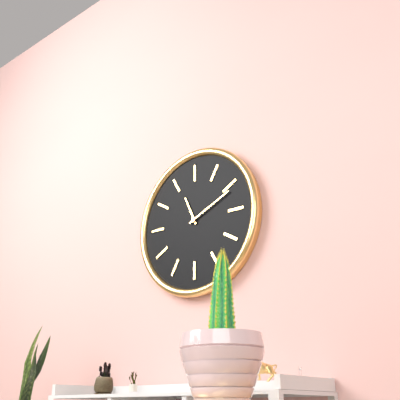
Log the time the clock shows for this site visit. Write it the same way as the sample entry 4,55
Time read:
11,11
